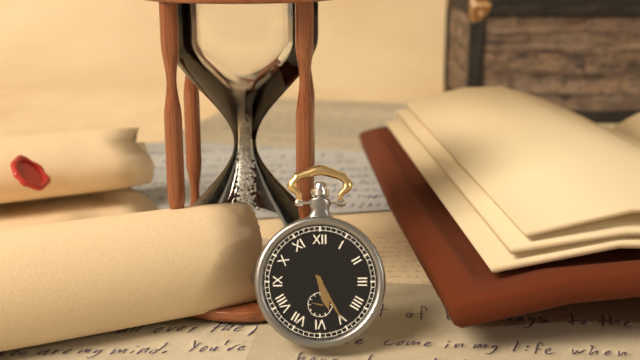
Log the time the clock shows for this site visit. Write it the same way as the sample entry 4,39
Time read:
5,25
